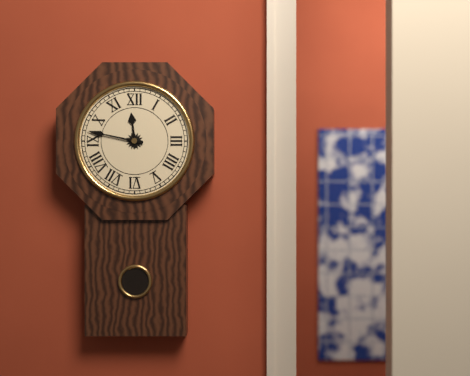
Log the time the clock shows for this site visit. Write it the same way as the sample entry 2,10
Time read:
11,47
